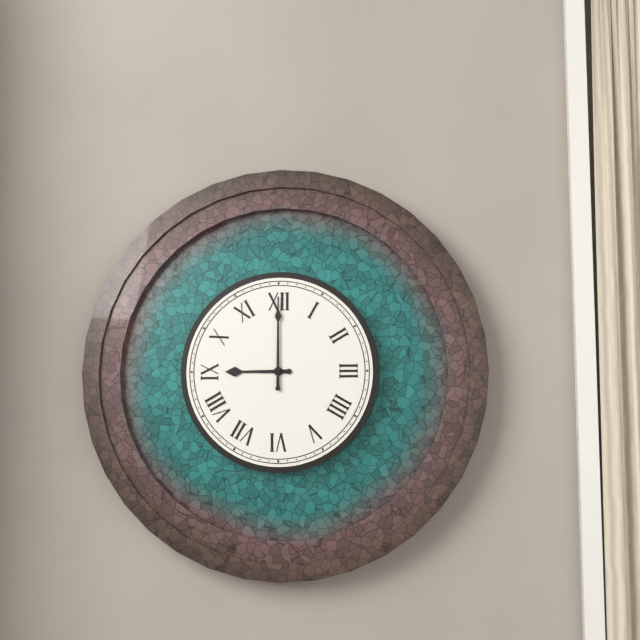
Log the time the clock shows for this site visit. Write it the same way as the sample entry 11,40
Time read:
9,00
